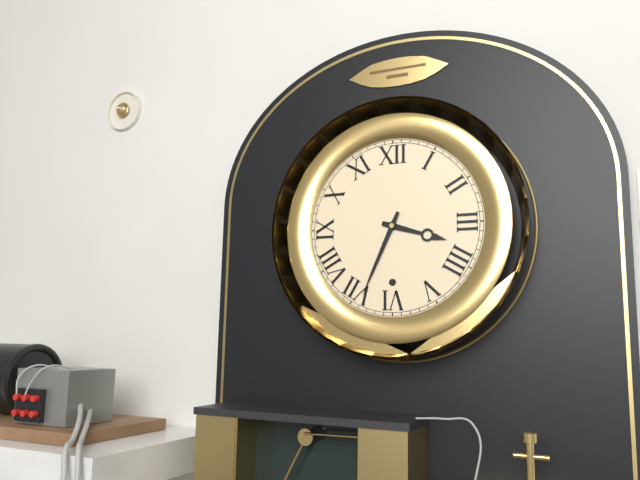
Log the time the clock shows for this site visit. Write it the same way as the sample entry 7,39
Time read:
3,34
